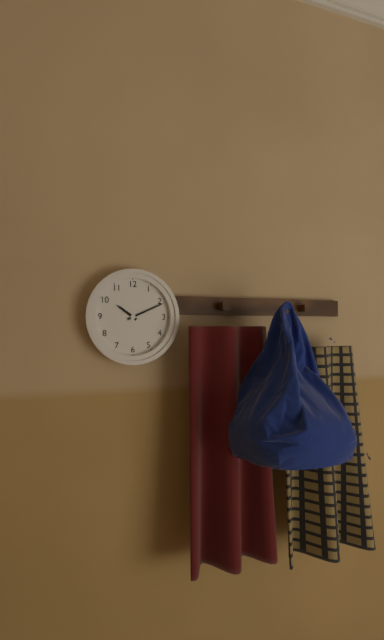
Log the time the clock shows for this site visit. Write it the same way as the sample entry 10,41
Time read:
10,11
